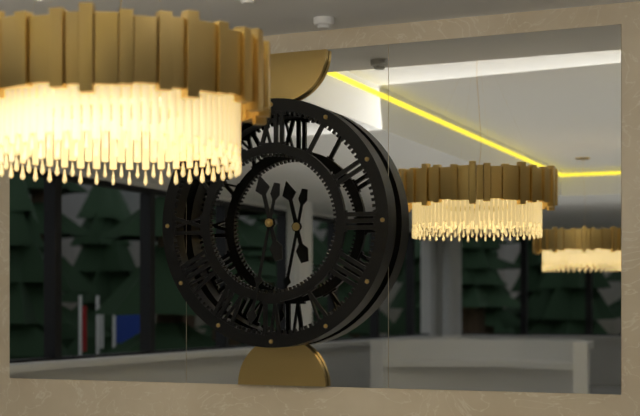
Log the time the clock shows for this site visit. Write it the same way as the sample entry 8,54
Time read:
11,32
